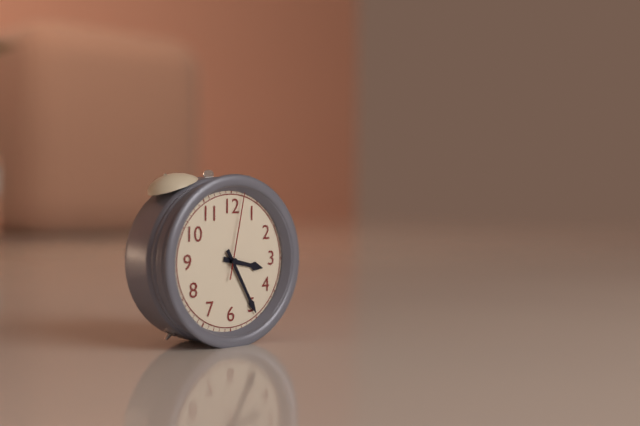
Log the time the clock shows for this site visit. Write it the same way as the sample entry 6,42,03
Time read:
3,25,02
